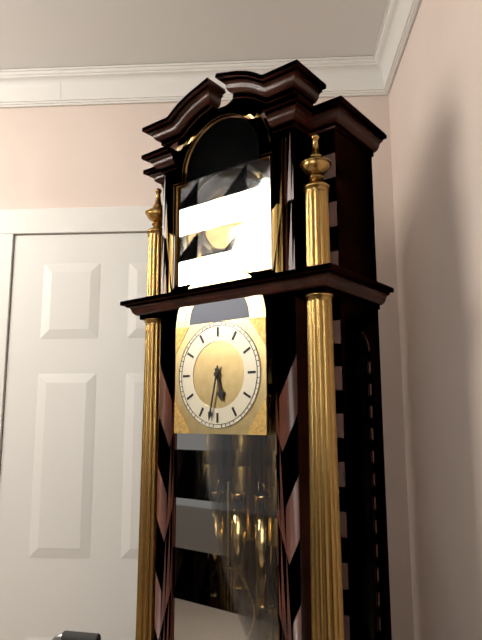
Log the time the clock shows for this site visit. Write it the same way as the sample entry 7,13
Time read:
5,32
